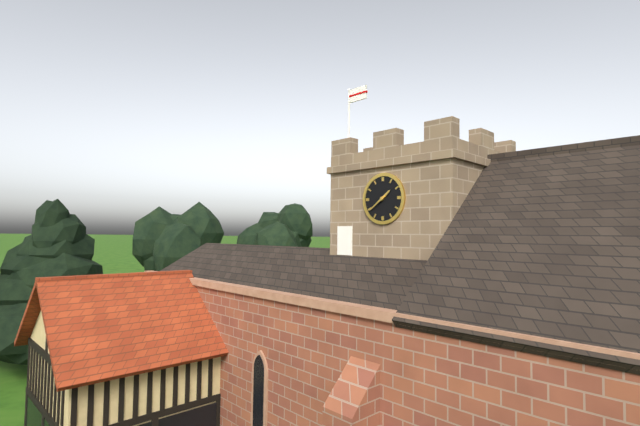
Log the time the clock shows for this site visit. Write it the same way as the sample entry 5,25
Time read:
1,39
